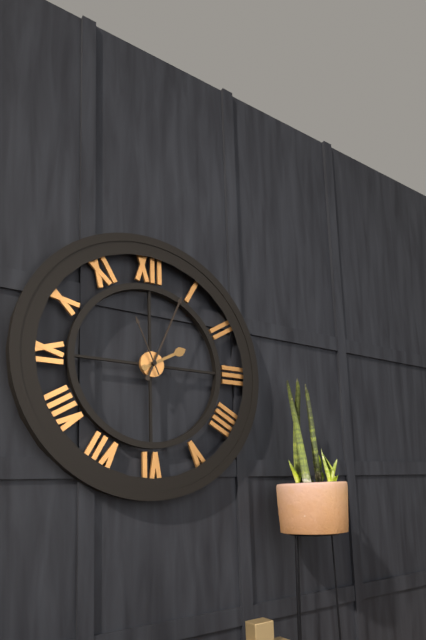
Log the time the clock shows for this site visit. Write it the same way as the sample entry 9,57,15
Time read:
2,04,56
